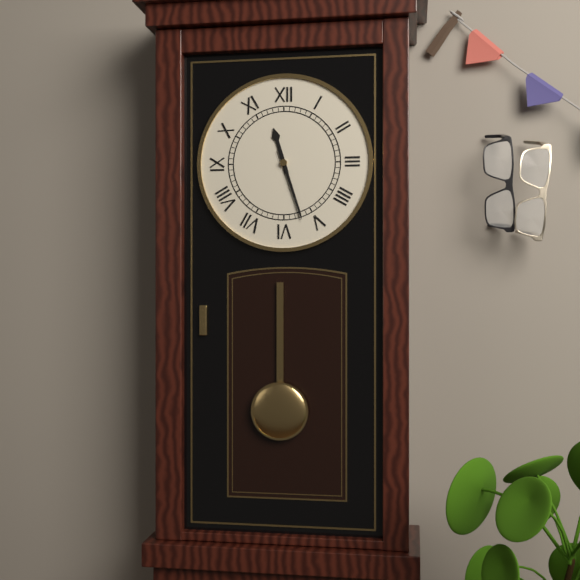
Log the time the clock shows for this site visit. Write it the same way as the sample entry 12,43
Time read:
11,27
